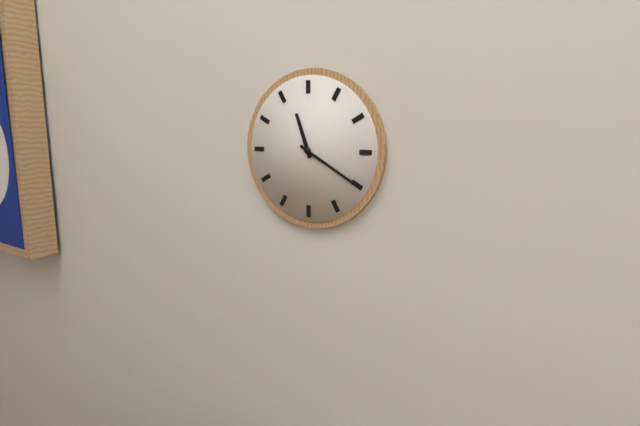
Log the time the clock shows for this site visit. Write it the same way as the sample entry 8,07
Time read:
11,20
